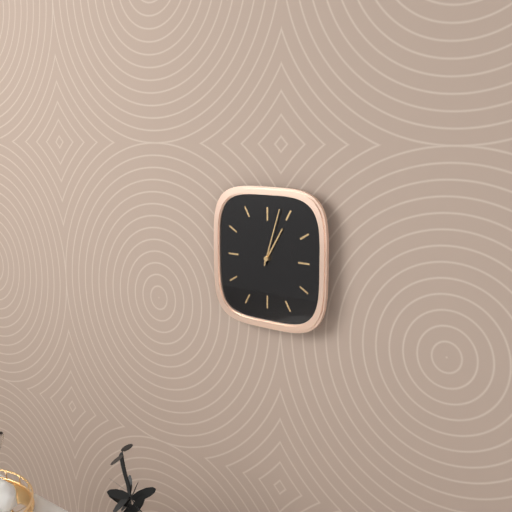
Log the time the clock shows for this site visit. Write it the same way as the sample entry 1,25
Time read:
1,03
